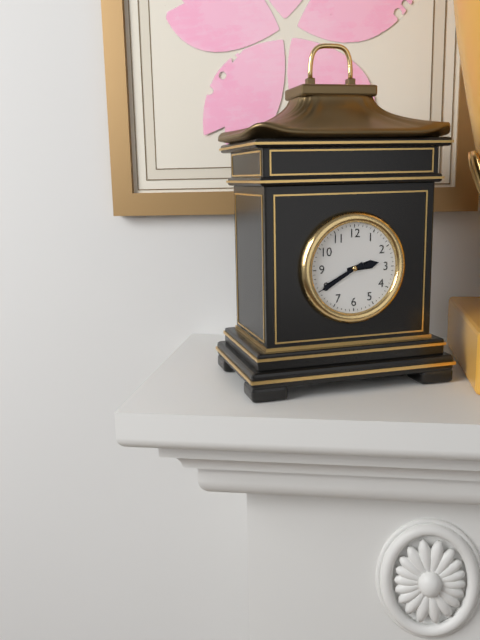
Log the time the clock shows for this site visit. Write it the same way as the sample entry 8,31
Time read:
2,40
